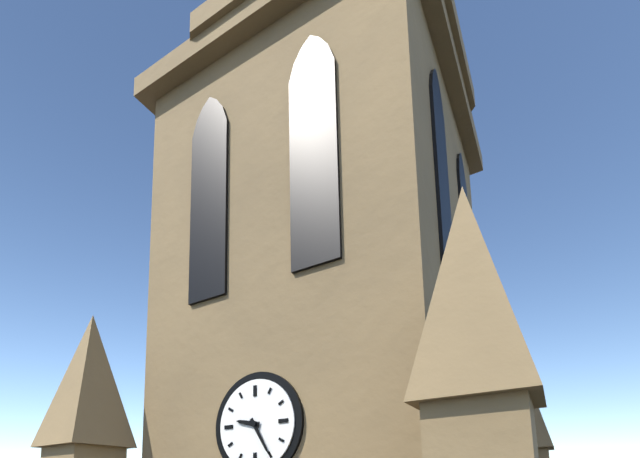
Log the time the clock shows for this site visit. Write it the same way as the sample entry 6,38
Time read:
9,25
